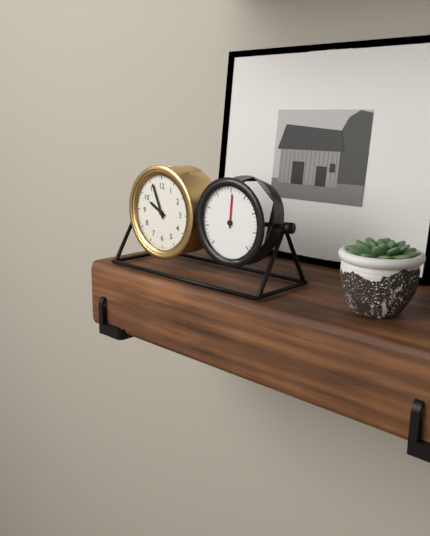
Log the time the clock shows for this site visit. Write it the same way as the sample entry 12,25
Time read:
9,56
